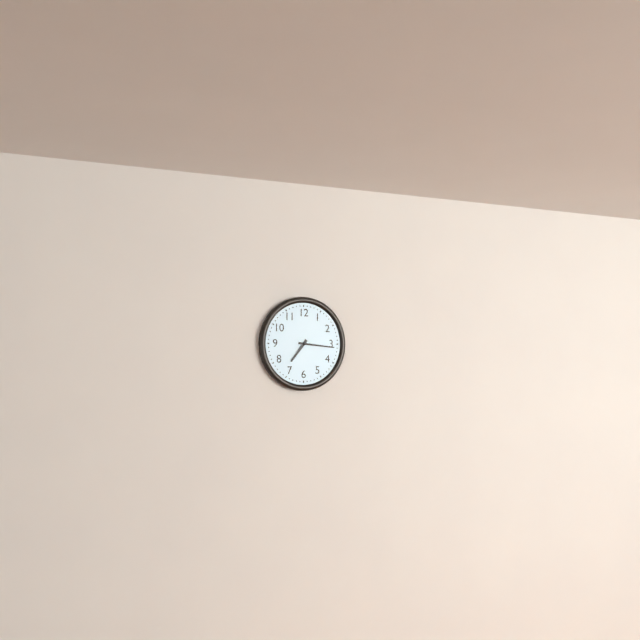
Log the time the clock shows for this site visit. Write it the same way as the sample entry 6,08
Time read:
7,16
